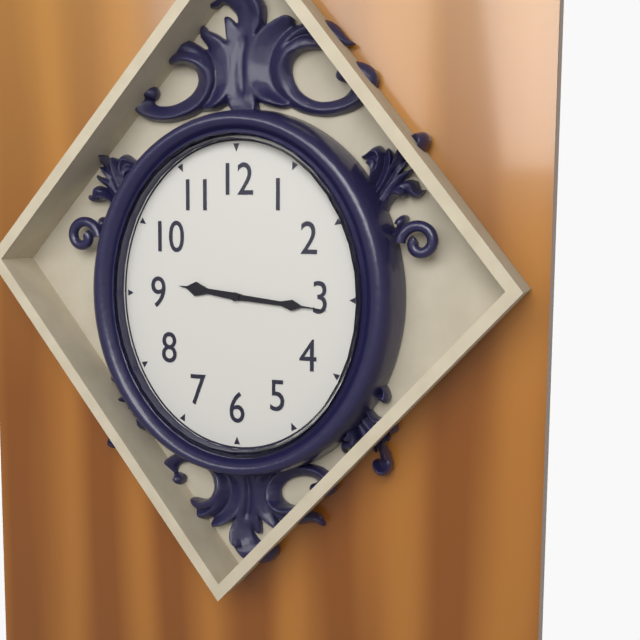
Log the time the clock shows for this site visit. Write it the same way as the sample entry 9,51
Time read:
9,16
